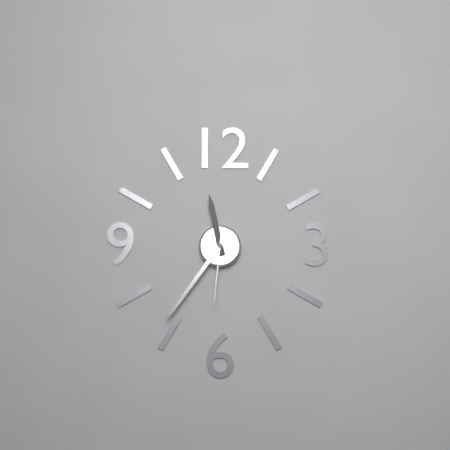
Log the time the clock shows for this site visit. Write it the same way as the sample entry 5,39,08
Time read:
11,36,31
